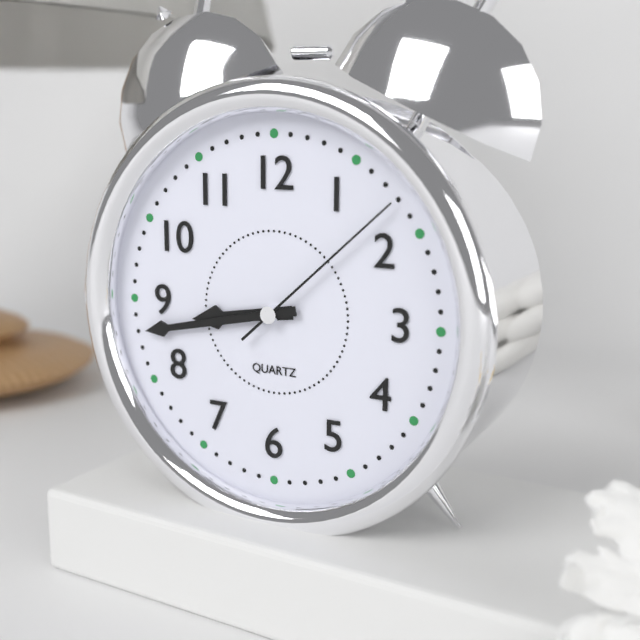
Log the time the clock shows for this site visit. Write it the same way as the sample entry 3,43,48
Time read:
8,43,08
